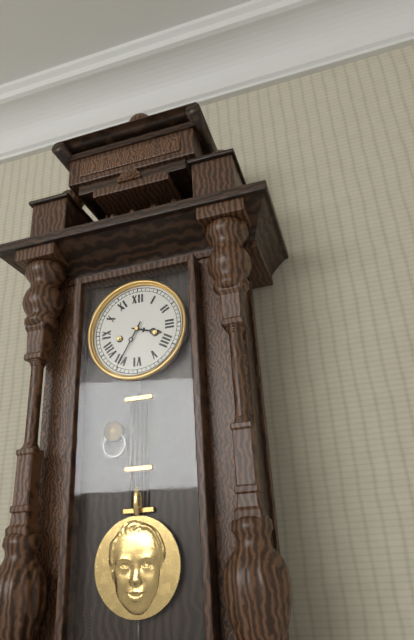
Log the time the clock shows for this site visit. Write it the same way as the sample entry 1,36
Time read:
3,35
